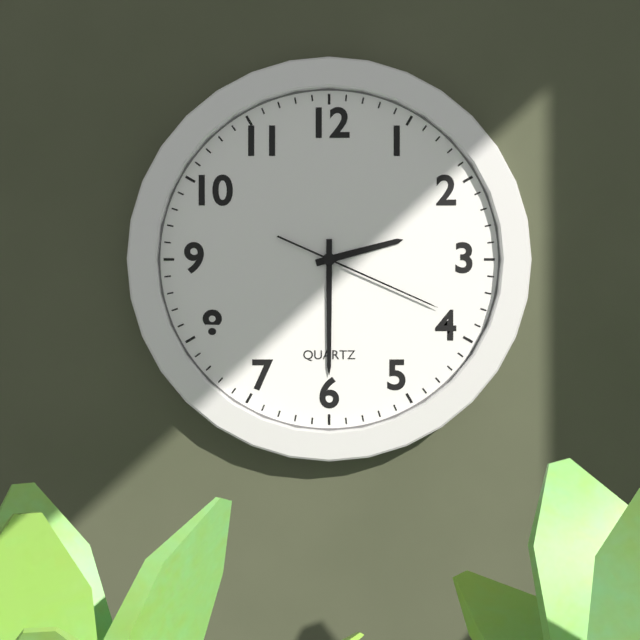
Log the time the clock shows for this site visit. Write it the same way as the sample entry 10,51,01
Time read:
2,30,19
